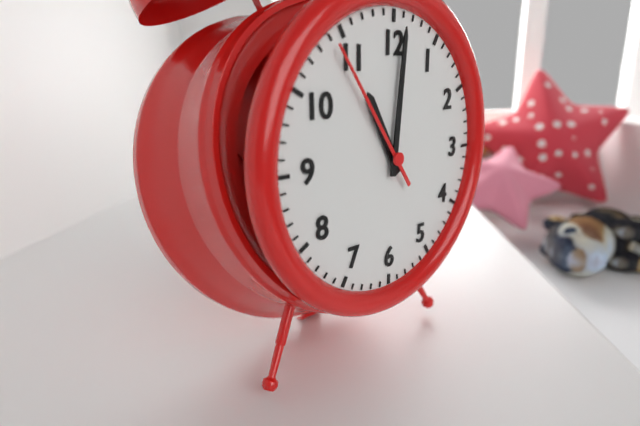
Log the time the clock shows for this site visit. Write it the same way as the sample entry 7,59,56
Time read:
11,01,54
